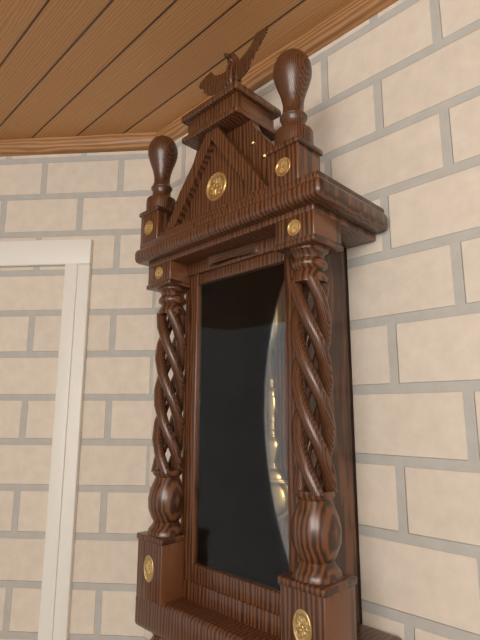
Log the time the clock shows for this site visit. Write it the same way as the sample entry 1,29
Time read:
2,48
